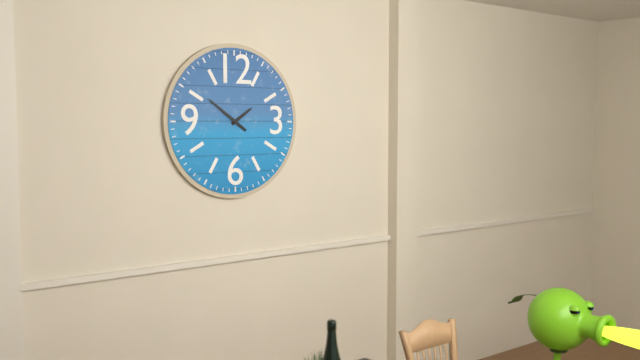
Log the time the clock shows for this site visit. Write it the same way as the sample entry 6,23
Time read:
1,51
